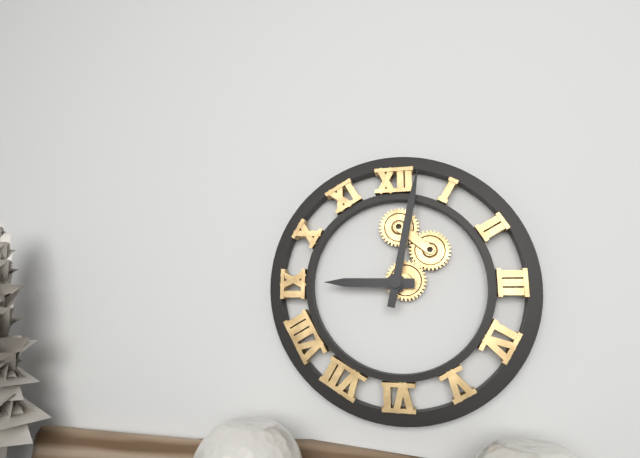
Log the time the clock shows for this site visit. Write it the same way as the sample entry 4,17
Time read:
9,02
